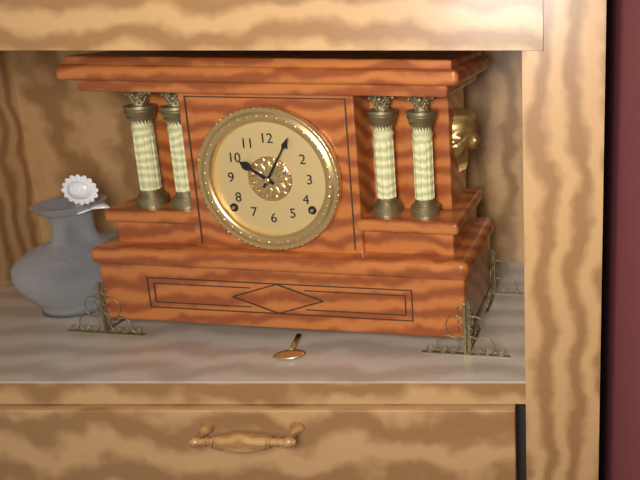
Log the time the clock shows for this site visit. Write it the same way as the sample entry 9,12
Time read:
10,05
